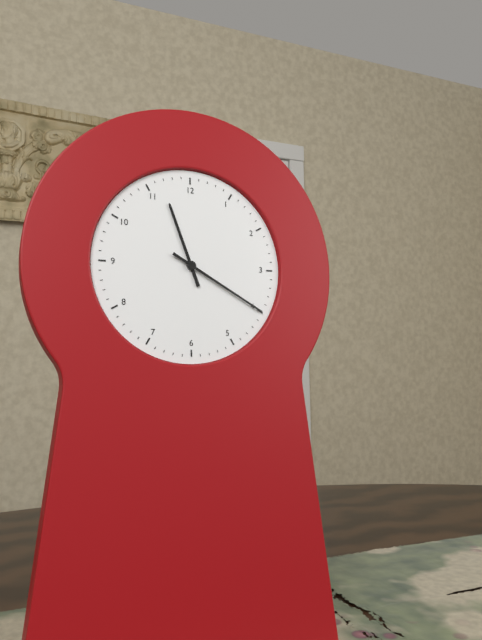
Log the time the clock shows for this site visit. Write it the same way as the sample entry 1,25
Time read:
11,20
